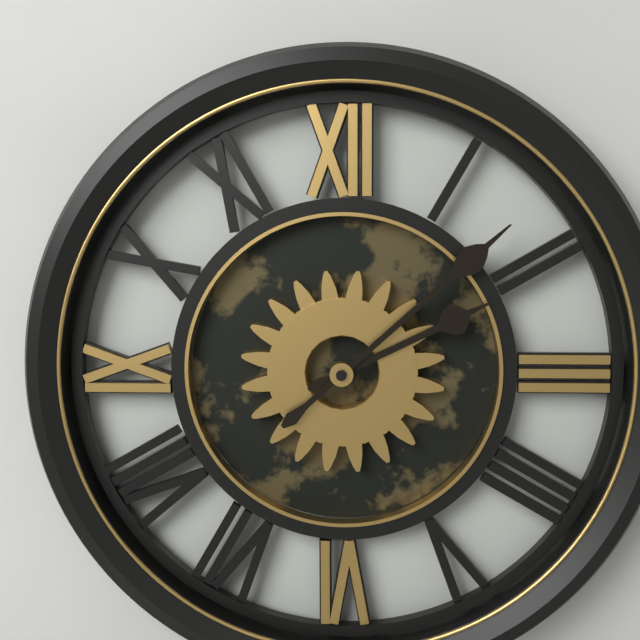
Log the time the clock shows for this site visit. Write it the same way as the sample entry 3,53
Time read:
2,08
